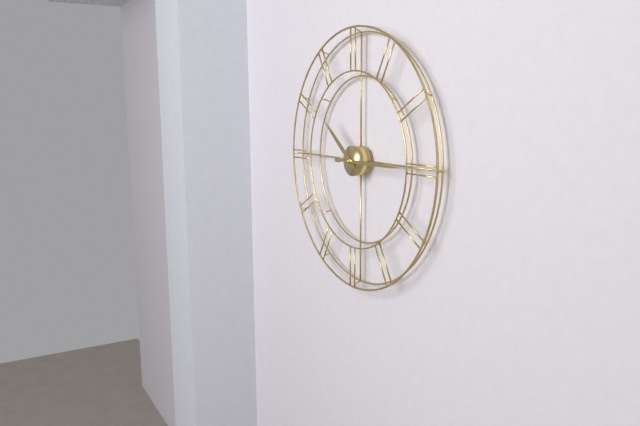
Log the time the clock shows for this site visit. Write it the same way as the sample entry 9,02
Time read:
10,15
